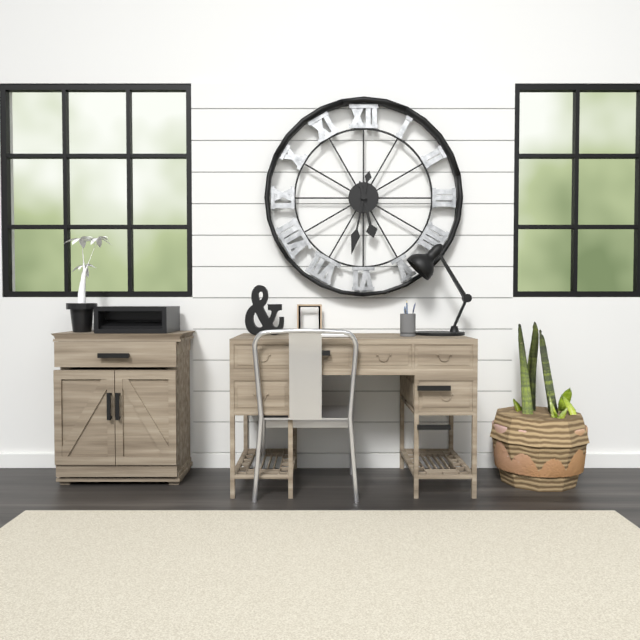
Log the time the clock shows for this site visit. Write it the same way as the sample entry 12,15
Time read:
5,32
